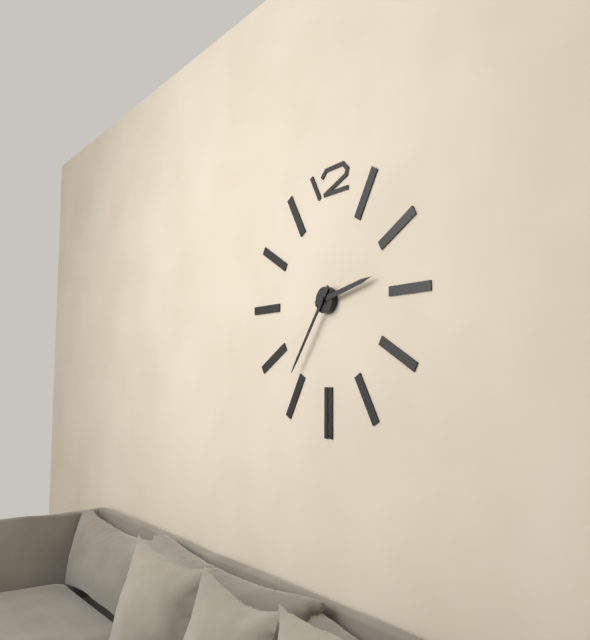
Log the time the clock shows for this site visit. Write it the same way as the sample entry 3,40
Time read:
2,36
